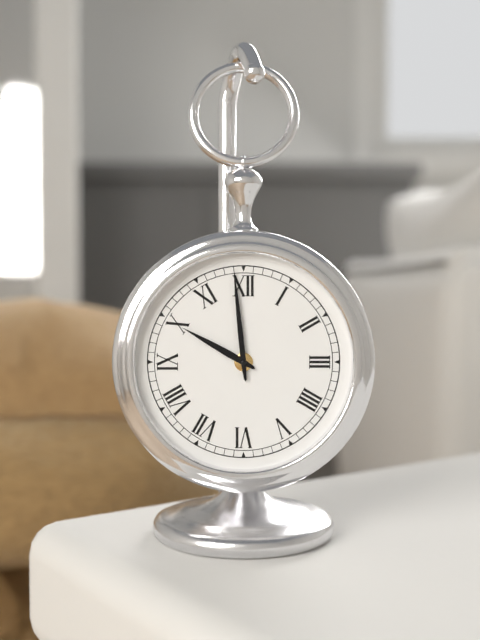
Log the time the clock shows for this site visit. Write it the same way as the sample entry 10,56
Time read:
9,59
